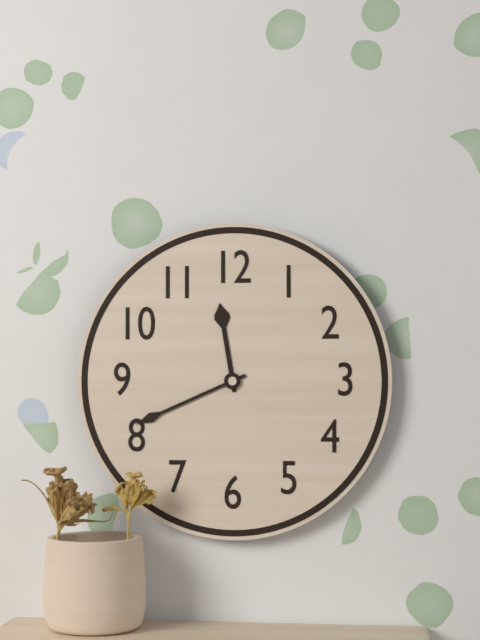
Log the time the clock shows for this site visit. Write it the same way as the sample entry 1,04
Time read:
11,41
